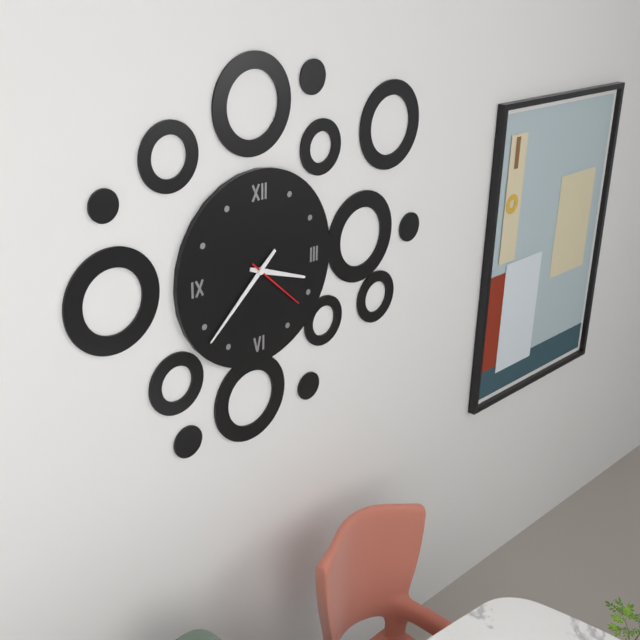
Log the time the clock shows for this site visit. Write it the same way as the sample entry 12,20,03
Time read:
3,38,22
